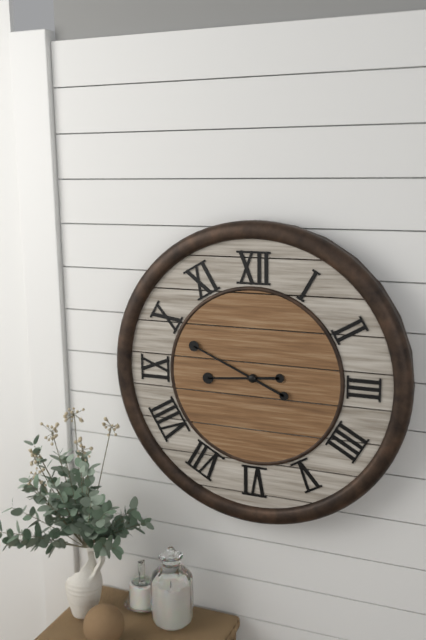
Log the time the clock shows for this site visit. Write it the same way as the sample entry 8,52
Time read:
8,49
